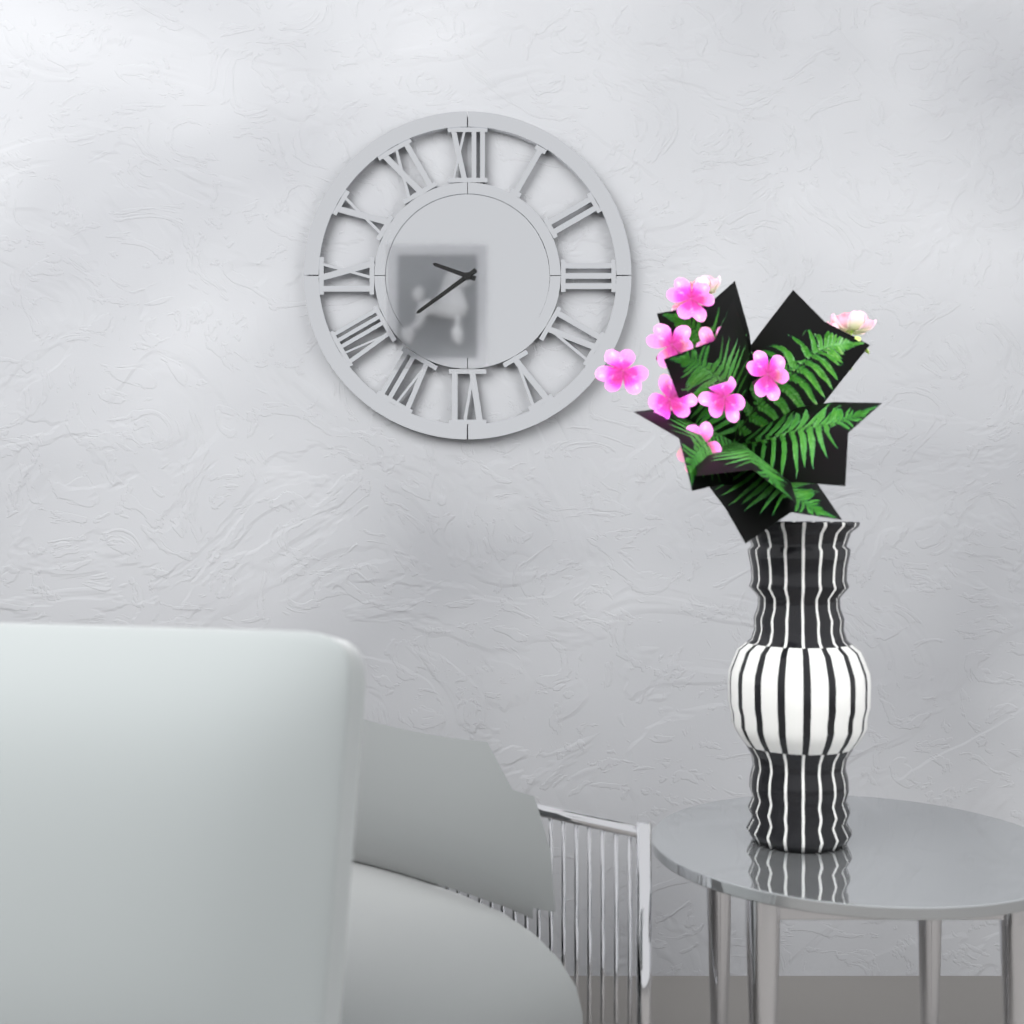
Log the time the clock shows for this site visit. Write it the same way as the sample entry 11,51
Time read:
9,39
